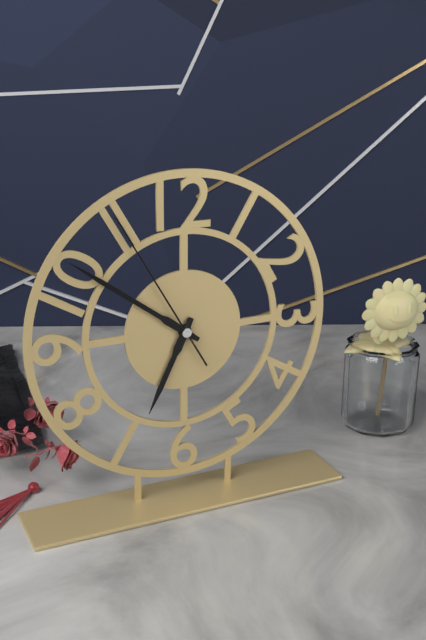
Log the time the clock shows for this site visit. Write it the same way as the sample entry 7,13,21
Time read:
6,51,55
